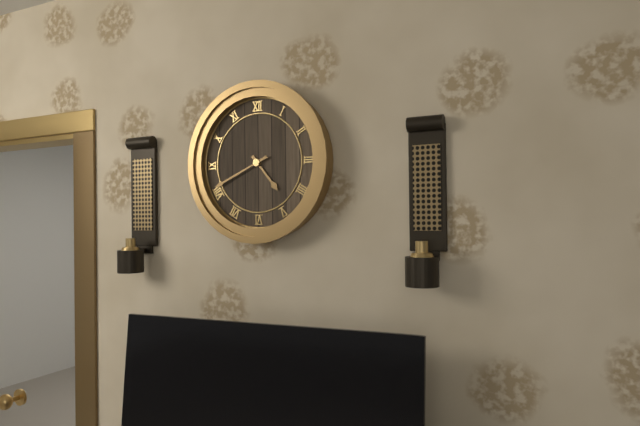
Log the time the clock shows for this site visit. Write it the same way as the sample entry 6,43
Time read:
4,41
